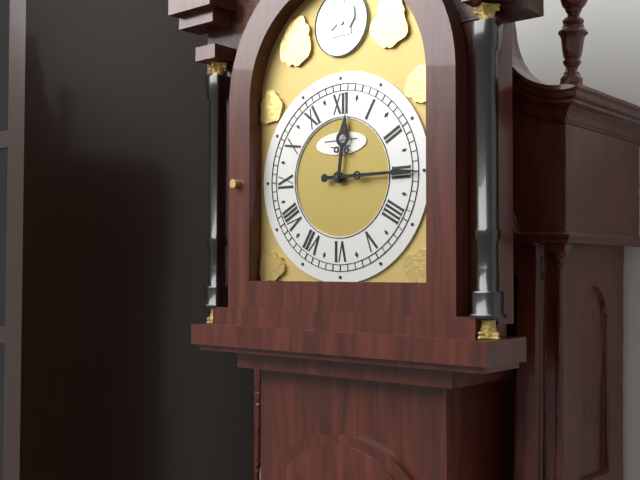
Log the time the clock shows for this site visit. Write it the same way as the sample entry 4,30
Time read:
12,15
